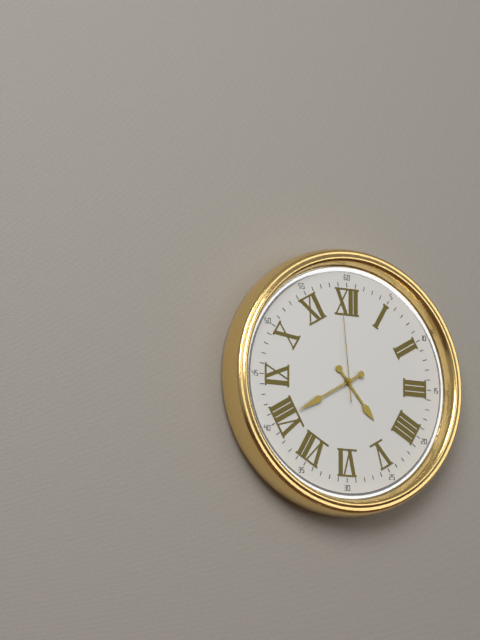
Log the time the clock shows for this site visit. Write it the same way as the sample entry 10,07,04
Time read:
4,40,59
